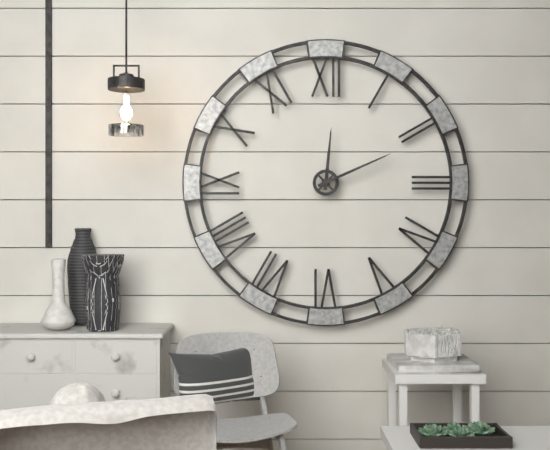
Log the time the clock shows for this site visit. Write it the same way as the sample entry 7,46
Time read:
12,11
